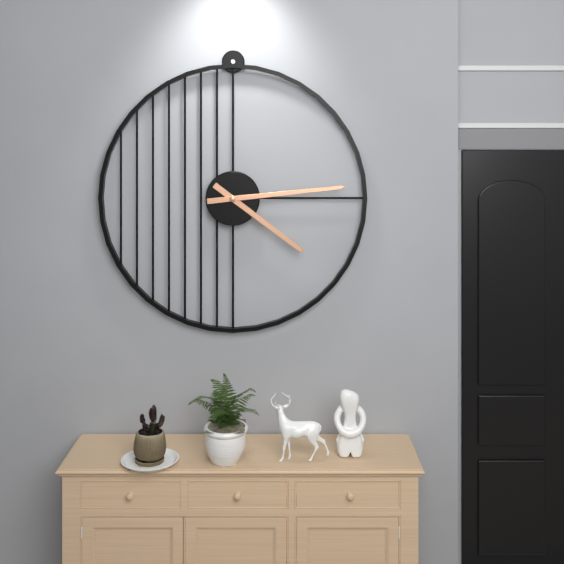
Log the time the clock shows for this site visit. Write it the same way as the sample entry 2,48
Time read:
4,14
